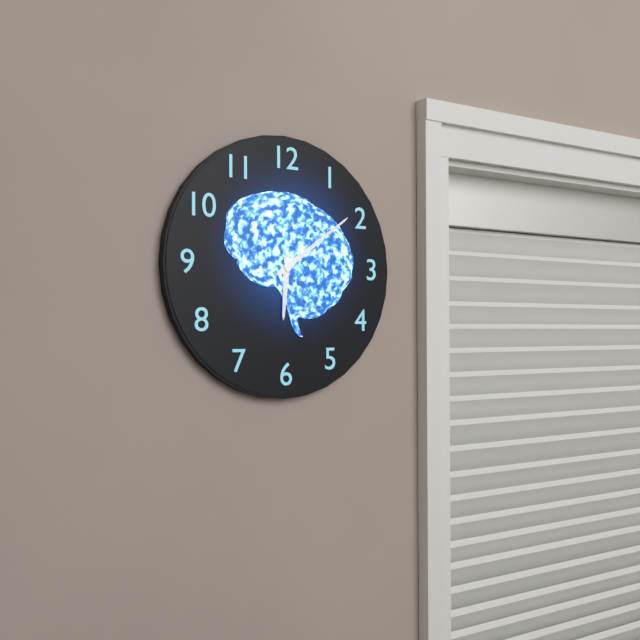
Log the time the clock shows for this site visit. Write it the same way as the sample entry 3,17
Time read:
6,09
